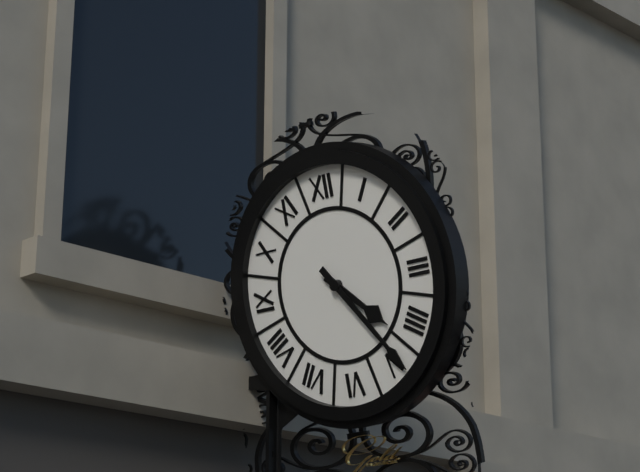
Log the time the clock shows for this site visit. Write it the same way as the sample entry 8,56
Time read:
4,24
